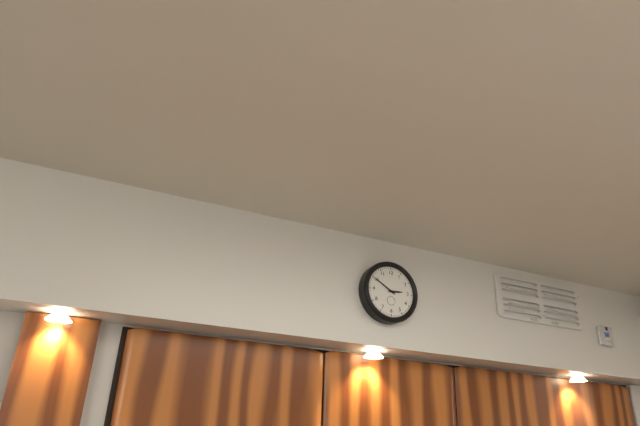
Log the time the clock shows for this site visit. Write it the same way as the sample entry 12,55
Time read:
2,50
